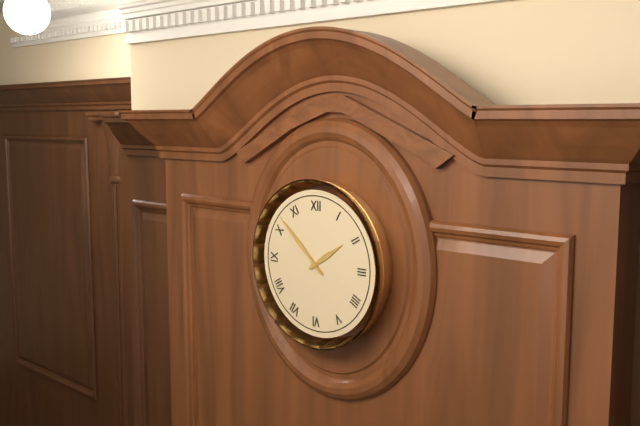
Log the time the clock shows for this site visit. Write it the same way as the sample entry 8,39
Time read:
1,52
